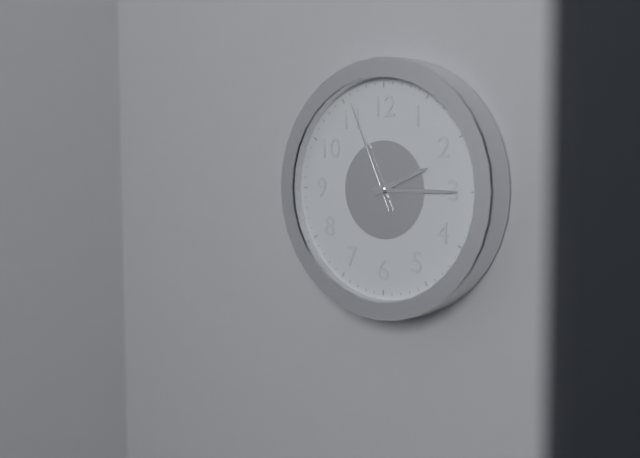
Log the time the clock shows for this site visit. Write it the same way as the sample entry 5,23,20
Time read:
2,15,56
